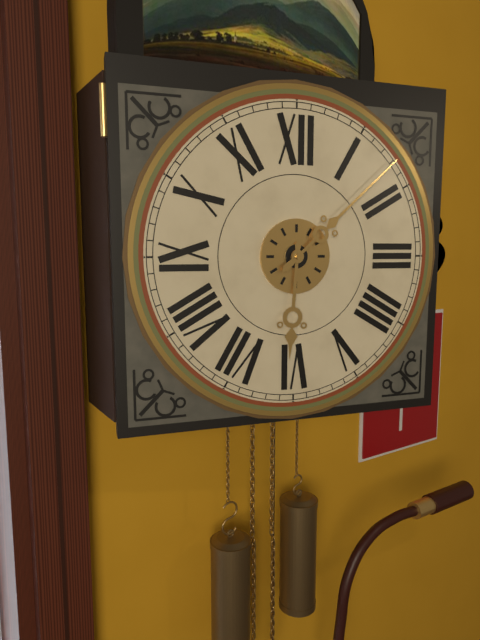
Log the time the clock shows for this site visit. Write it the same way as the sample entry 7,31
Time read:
6,08
